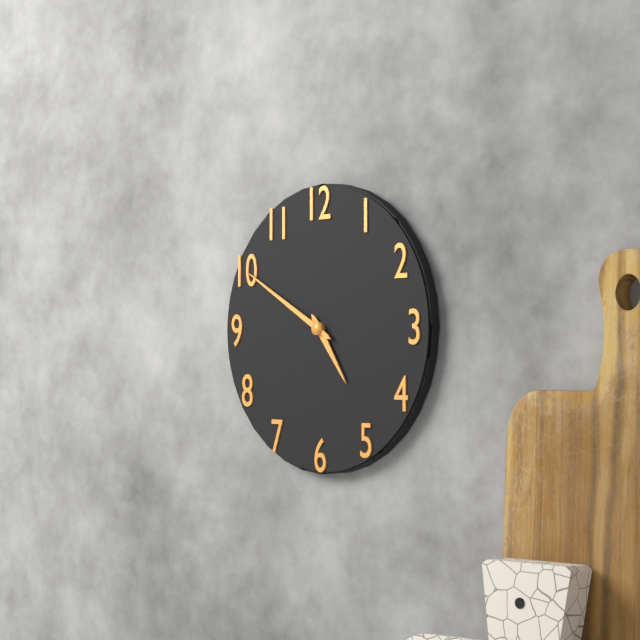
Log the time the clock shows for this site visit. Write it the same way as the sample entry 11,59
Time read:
4,50
